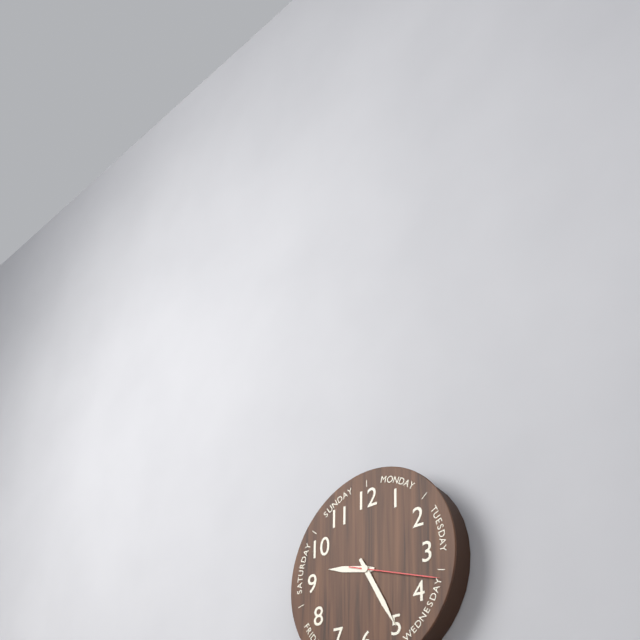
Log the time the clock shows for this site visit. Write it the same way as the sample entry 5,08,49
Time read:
9,25,18
